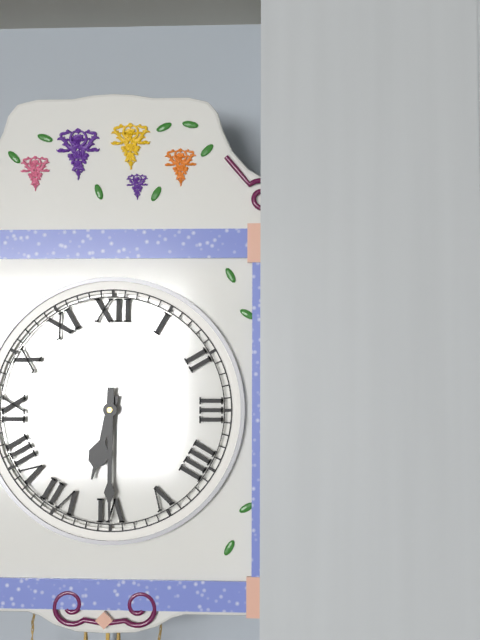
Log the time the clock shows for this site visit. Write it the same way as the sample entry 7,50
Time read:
6,30
